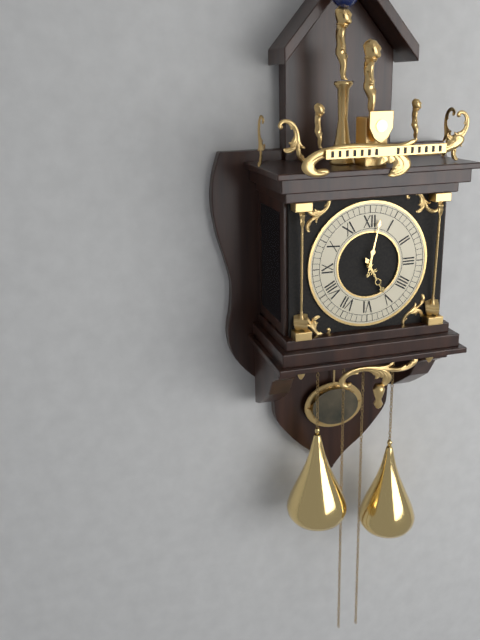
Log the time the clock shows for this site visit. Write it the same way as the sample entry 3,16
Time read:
5,02
